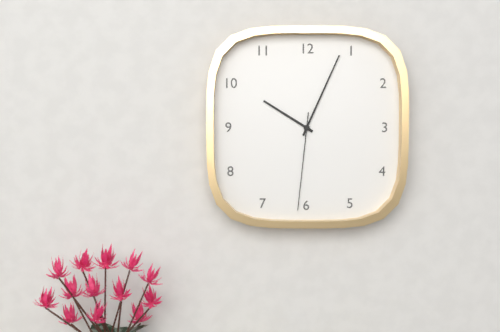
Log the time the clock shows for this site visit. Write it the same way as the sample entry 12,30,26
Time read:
10,04,31
